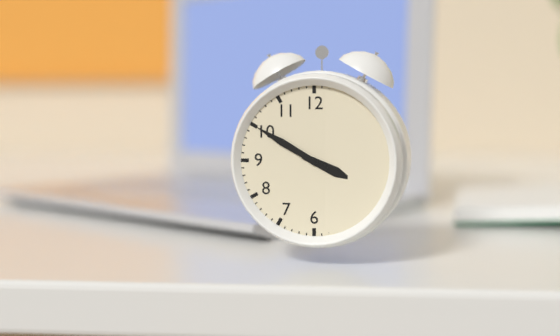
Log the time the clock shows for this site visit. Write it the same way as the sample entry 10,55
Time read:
3,50
